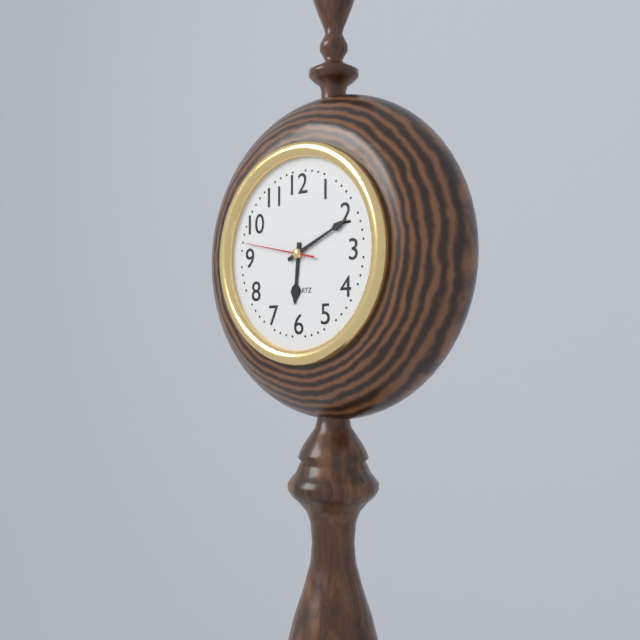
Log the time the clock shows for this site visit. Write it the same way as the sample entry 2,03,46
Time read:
6,11,47
